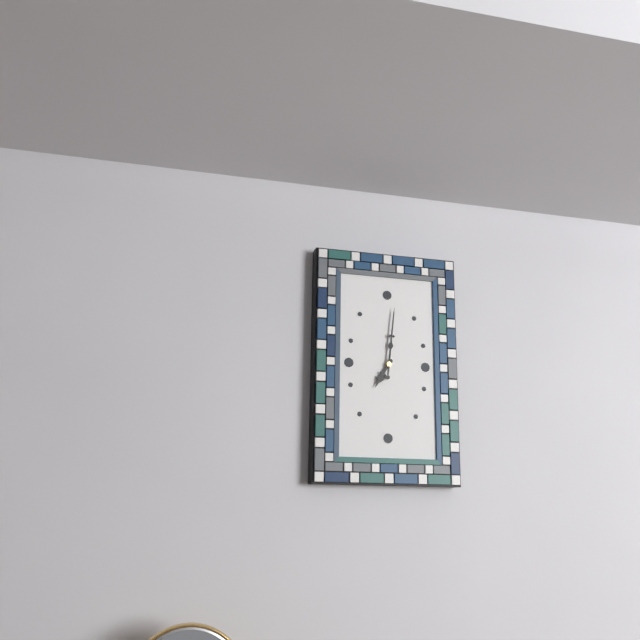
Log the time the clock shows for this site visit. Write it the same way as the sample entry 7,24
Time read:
7,01
